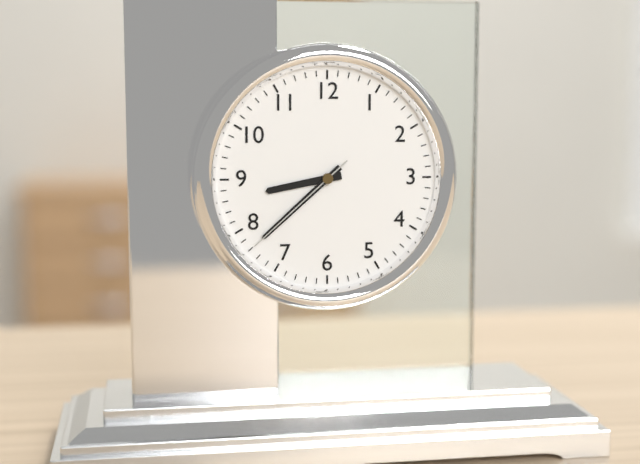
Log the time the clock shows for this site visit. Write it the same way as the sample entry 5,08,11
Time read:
8,38,38
